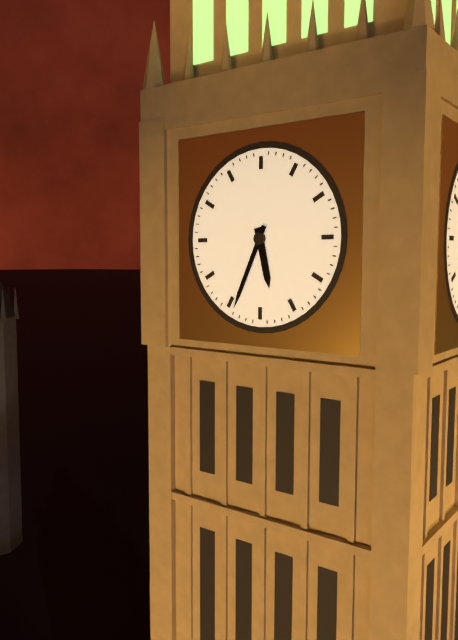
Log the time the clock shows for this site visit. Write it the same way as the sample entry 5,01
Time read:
5,34
